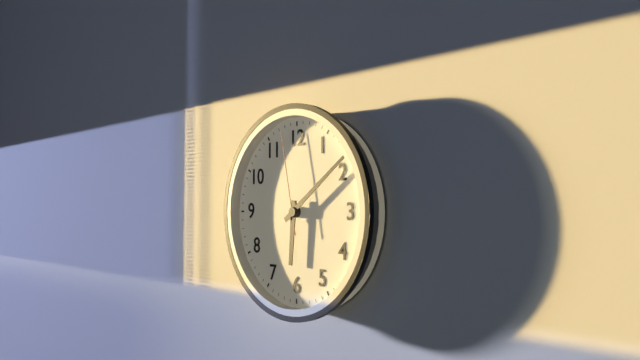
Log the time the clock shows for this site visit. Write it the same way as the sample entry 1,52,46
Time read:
6,09,58
